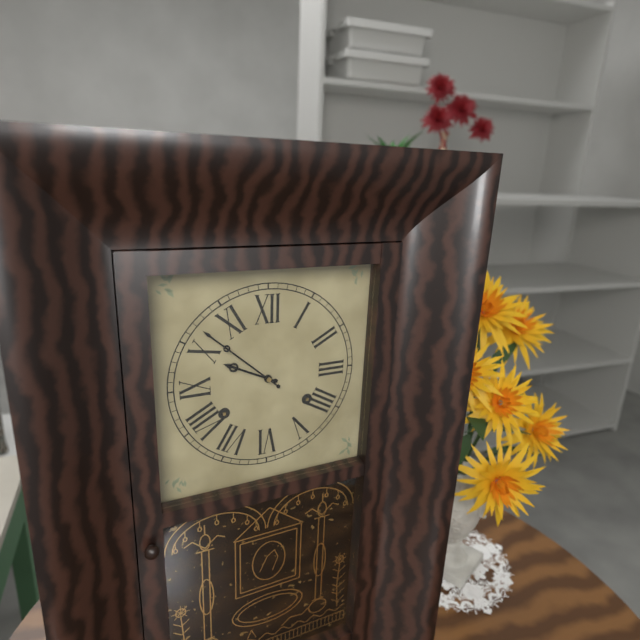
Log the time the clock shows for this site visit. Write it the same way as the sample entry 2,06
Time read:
9,52
